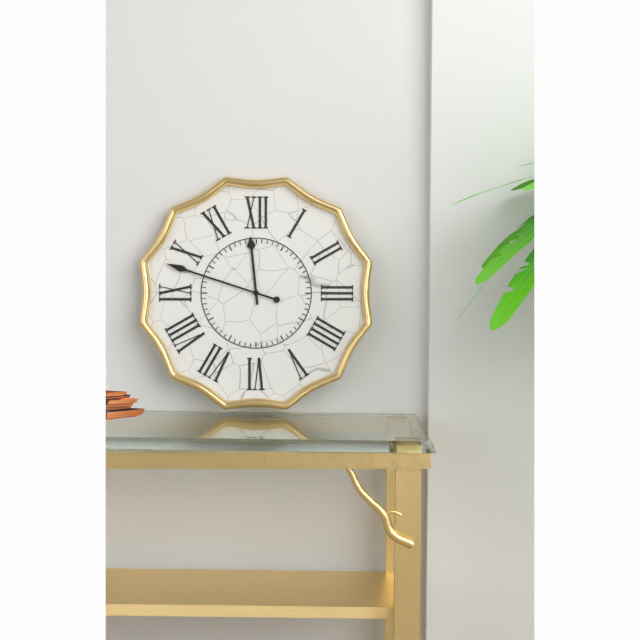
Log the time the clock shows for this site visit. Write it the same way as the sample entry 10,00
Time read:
11,48
